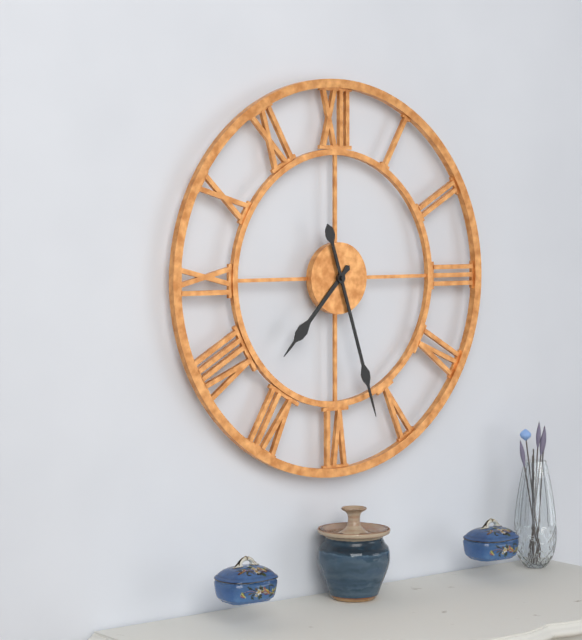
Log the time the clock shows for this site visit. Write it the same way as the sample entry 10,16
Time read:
7,27
